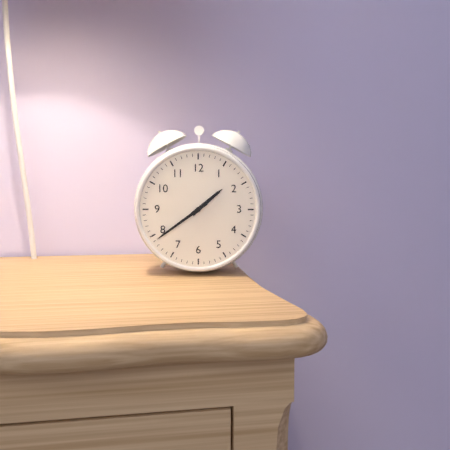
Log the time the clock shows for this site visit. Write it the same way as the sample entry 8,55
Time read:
1,39
